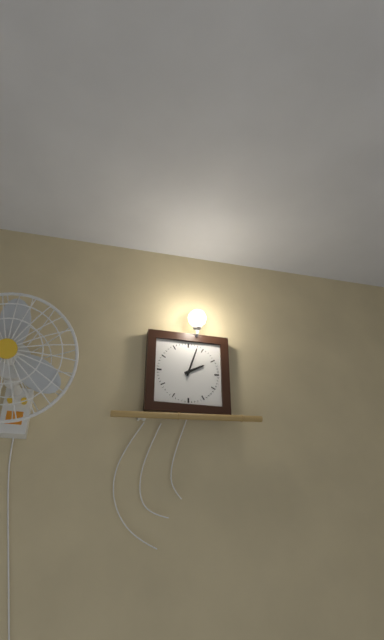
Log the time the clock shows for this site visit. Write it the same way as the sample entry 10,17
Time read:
2,03
